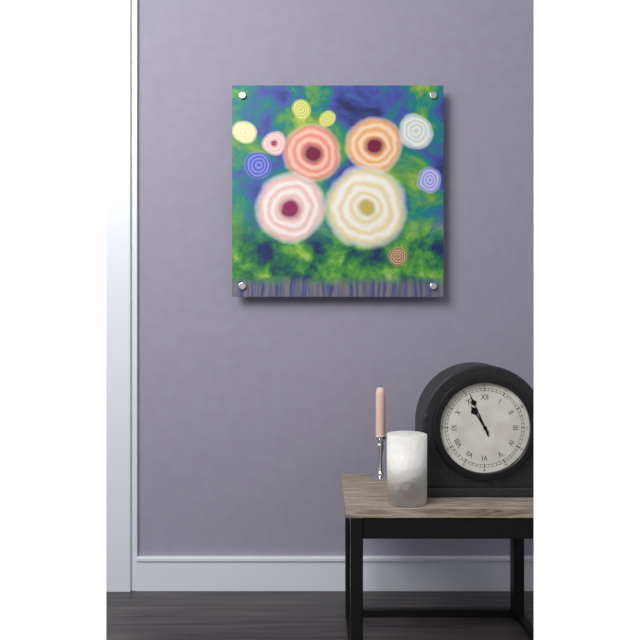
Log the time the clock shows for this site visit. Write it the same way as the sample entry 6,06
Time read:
10,56
